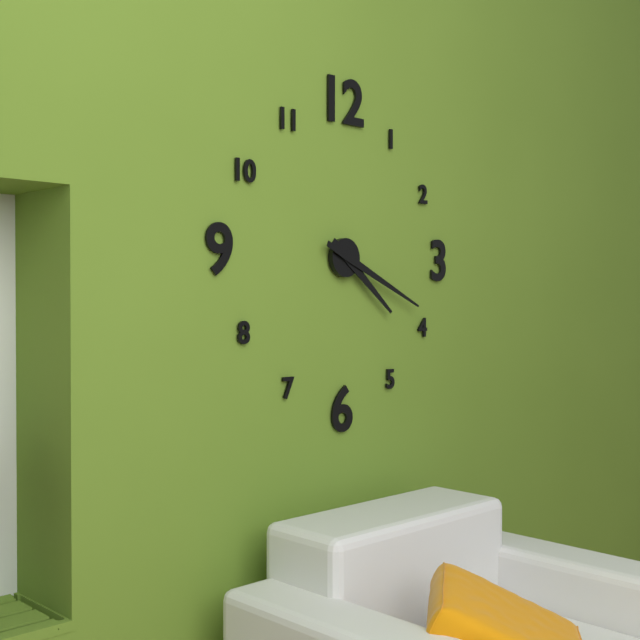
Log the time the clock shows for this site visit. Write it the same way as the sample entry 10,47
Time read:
4,19
